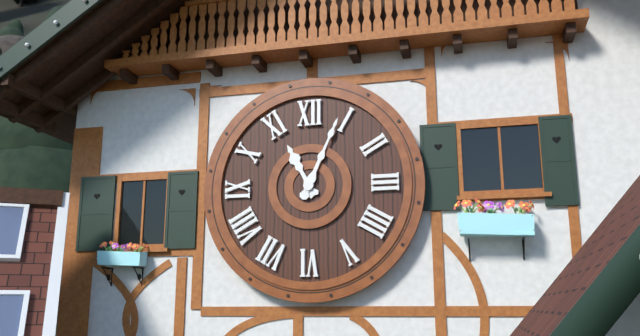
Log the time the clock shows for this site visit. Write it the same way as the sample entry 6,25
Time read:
11,04
